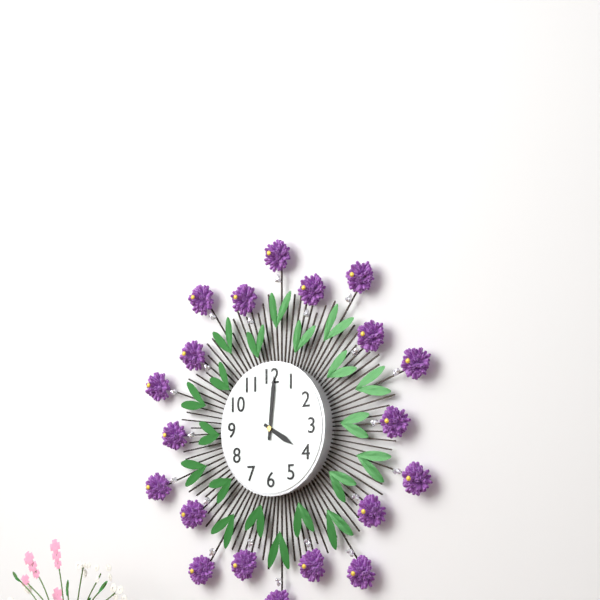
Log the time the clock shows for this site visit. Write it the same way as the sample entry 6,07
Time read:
4,01
